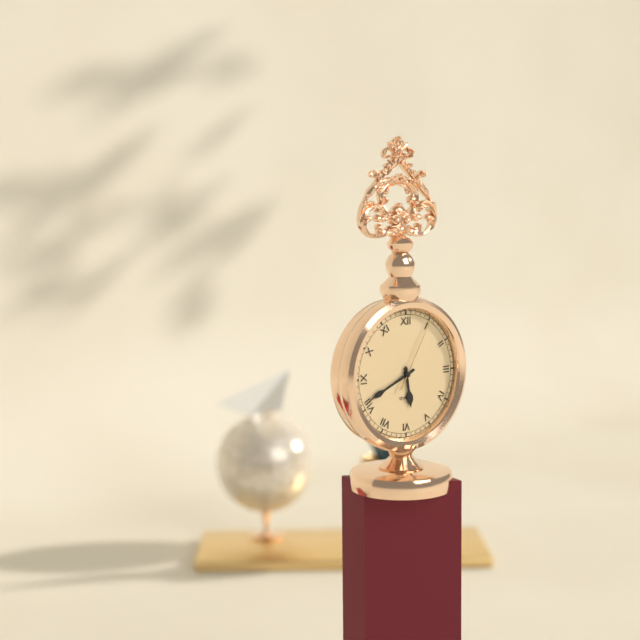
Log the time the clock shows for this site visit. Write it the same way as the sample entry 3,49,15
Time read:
5,41,05
